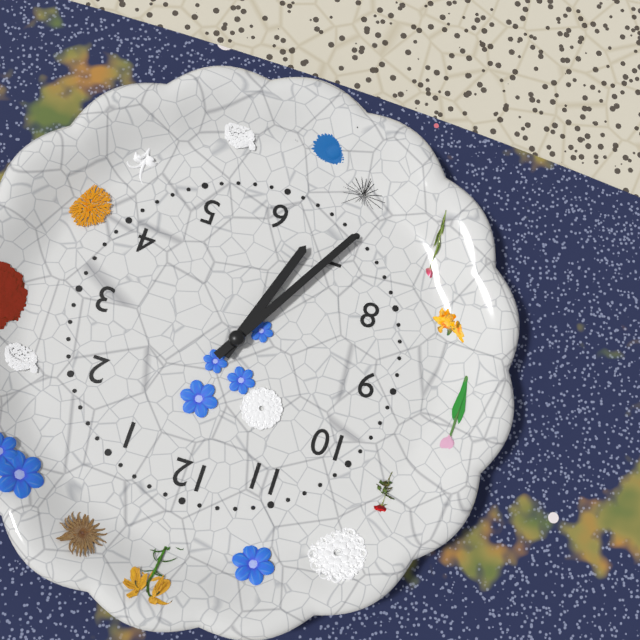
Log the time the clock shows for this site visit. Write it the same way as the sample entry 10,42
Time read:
6,35
